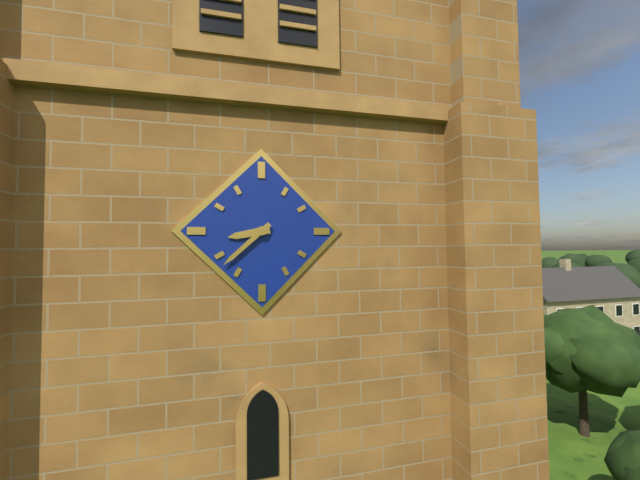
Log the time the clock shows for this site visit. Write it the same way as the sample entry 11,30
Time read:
8,38
